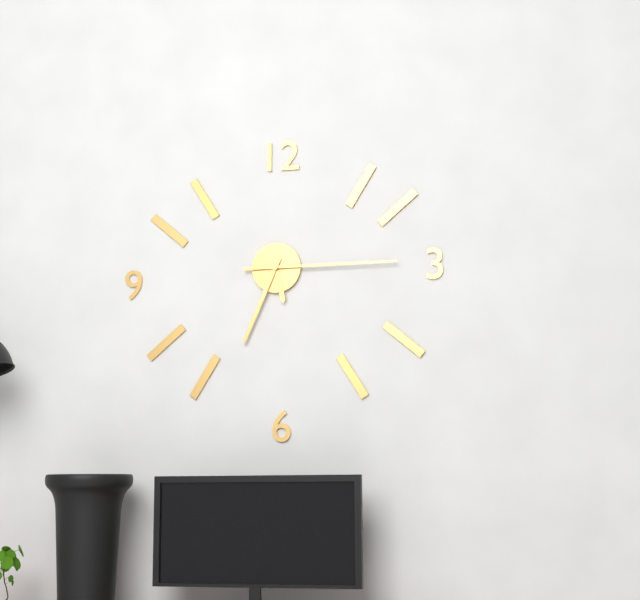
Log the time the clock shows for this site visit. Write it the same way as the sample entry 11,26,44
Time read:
5,34,15
